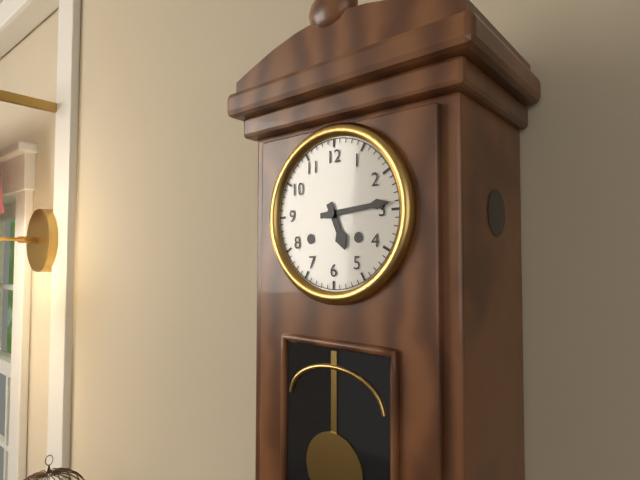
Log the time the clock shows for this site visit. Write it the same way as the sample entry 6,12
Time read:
5,14
